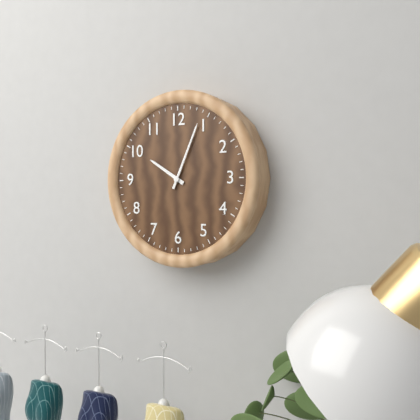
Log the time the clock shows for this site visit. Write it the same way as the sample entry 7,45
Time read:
10,04
